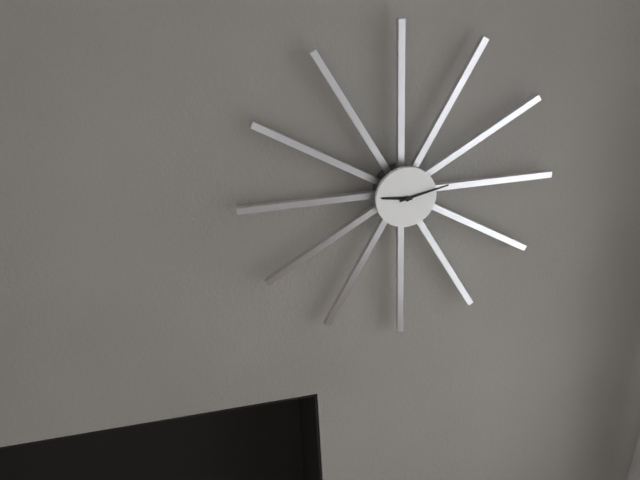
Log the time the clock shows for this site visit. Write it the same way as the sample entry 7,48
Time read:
9,13
